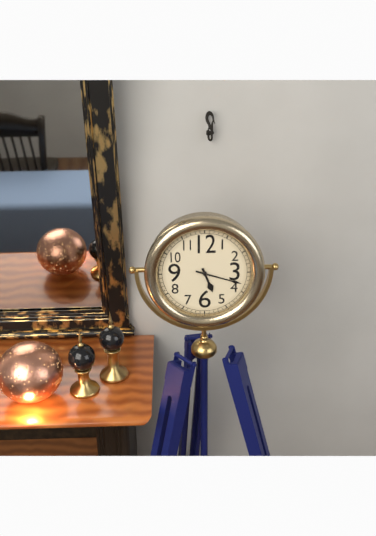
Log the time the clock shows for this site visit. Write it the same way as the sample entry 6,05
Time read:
5,18
